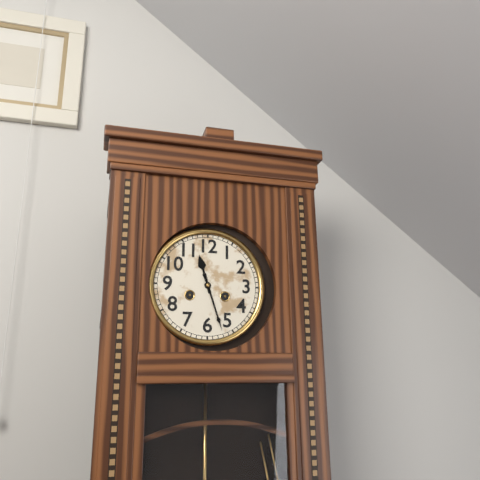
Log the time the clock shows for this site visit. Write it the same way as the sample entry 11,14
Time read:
11,27
